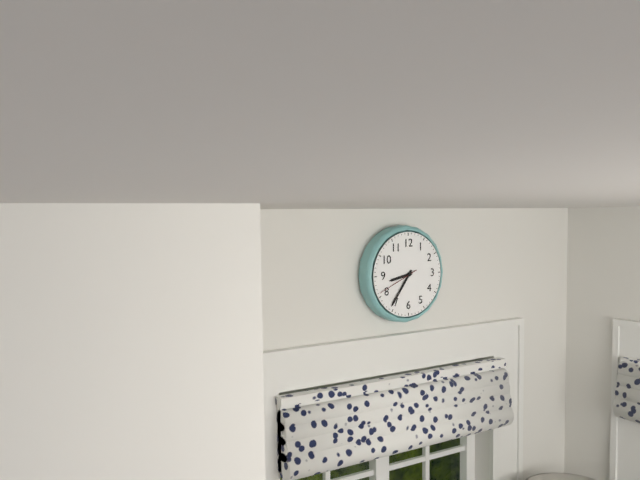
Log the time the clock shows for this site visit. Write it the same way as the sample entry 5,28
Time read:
8,36
